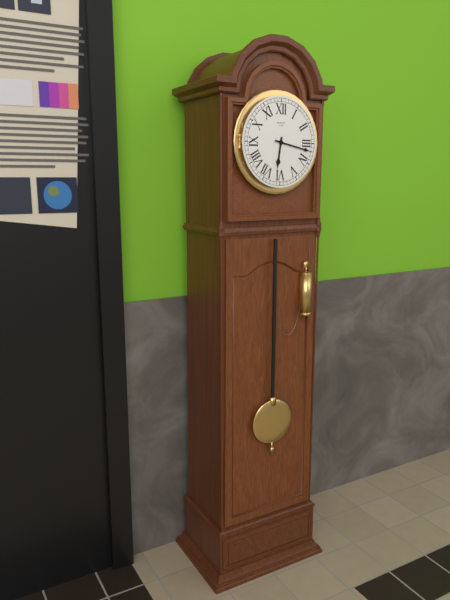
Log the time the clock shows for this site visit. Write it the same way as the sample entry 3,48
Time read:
6,17
